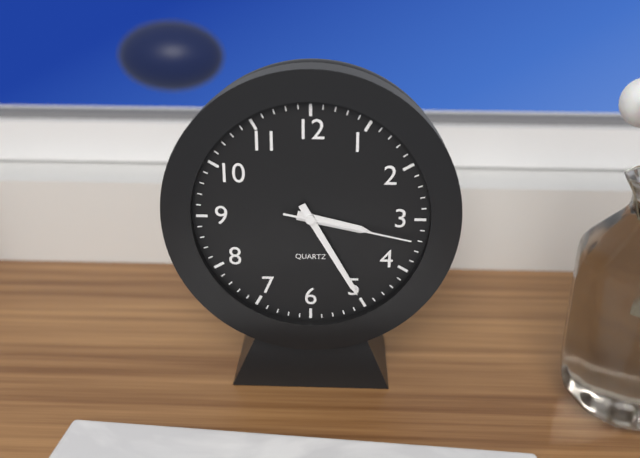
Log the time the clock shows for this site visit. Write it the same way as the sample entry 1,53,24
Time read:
3,25,17
